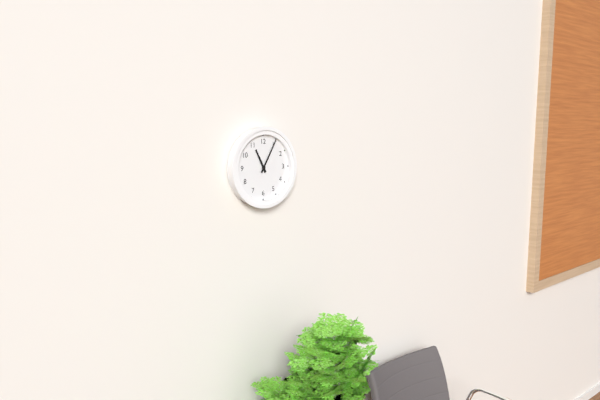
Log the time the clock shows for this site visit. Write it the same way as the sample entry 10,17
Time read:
11,05
